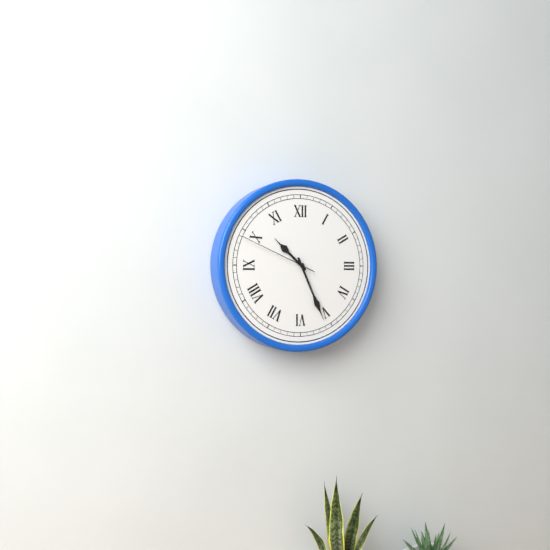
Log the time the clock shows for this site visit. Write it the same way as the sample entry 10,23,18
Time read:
10,26,49
